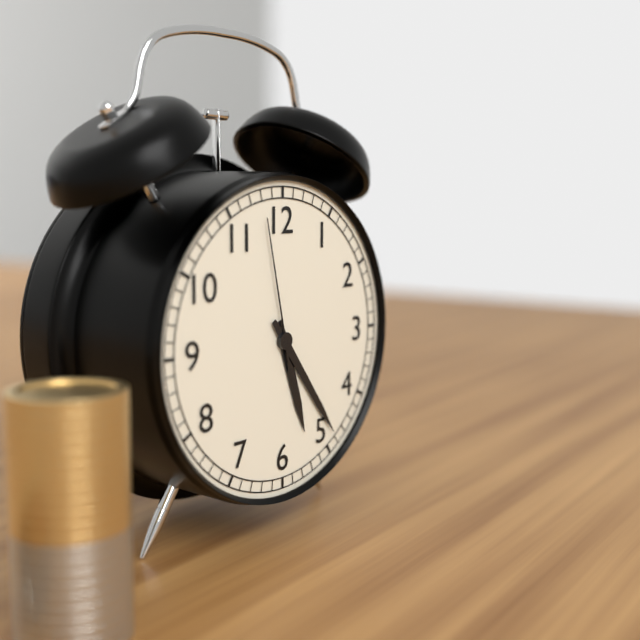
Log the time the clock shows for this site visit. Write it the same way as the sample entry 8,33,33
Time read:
5,24,58
